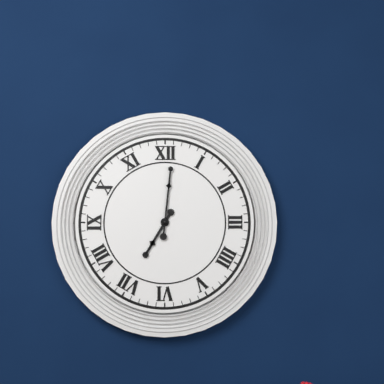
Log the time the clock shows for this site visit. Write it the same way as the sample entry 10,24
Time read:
7,01
